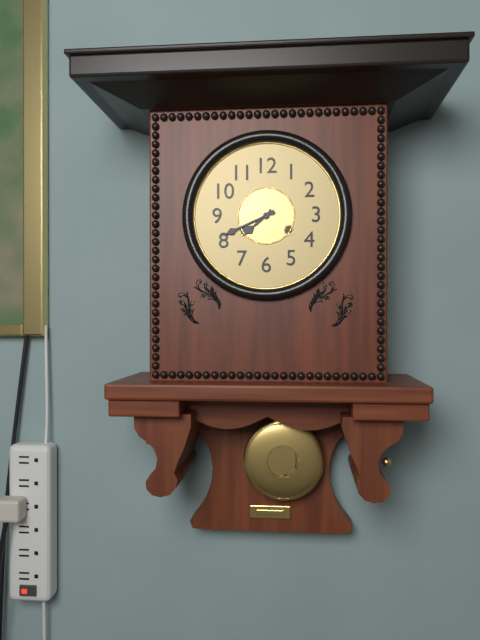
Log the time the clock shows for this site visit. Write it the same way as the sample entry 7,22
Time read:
7,41
